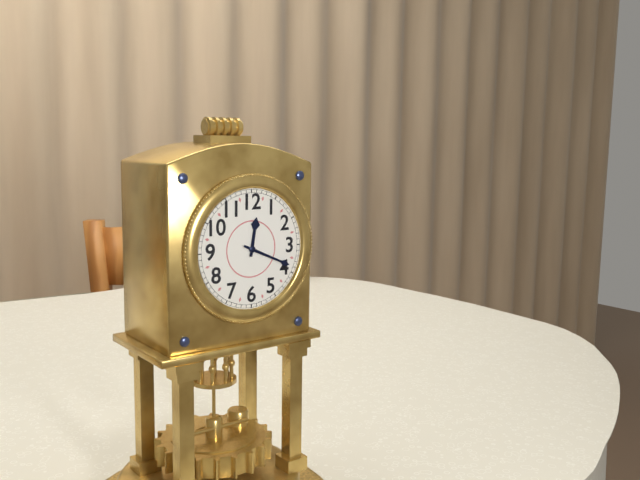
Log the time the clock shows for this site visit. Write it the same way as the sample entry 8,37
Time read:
12,19
